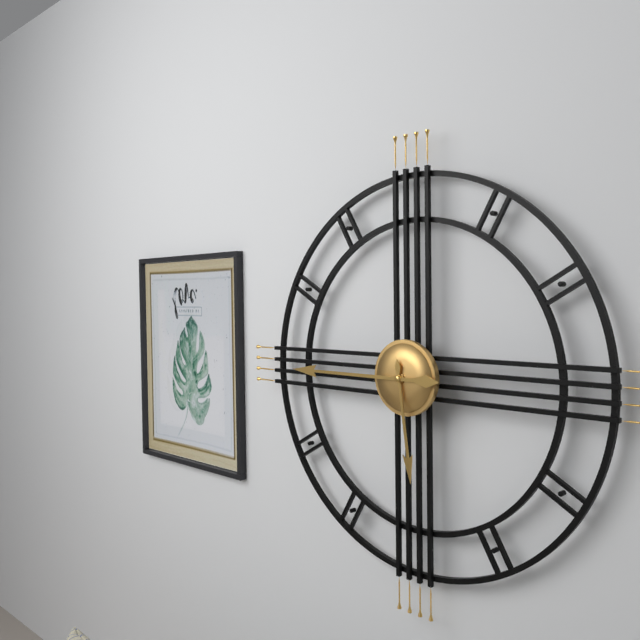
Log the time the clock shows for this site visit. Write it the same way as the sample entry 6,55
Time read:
5,45
